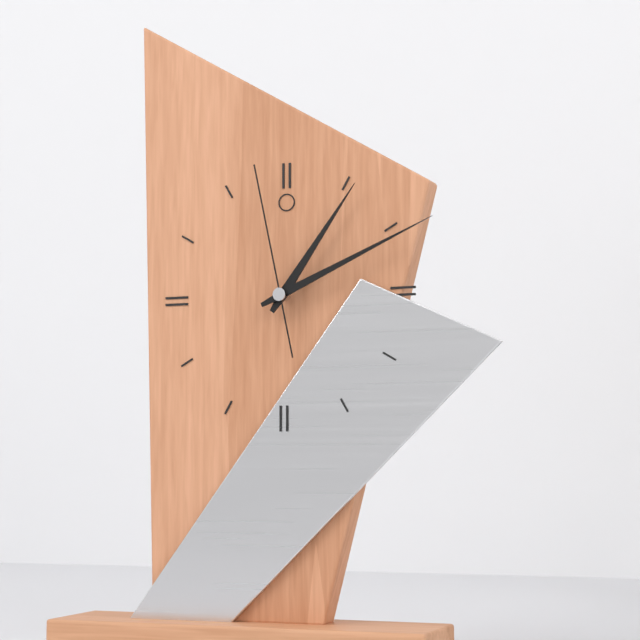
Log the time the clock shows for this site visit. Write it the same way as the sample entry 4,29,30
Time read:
1,11,58
